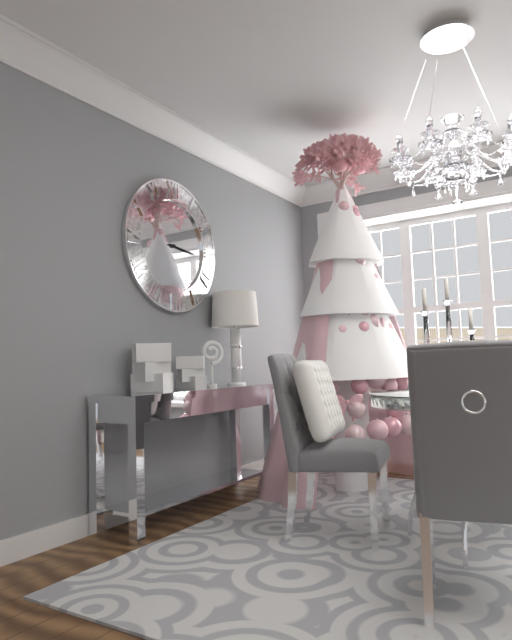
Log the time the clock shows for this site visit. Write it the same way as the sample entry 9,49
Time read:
3,16
